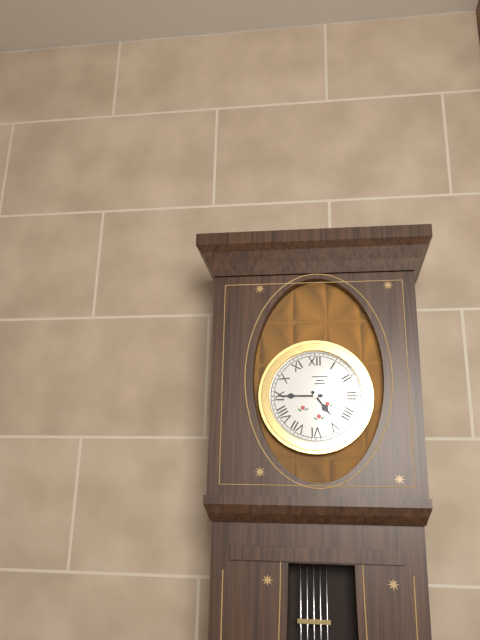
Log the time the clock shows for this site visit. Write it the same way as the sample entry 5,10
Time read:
4,45
